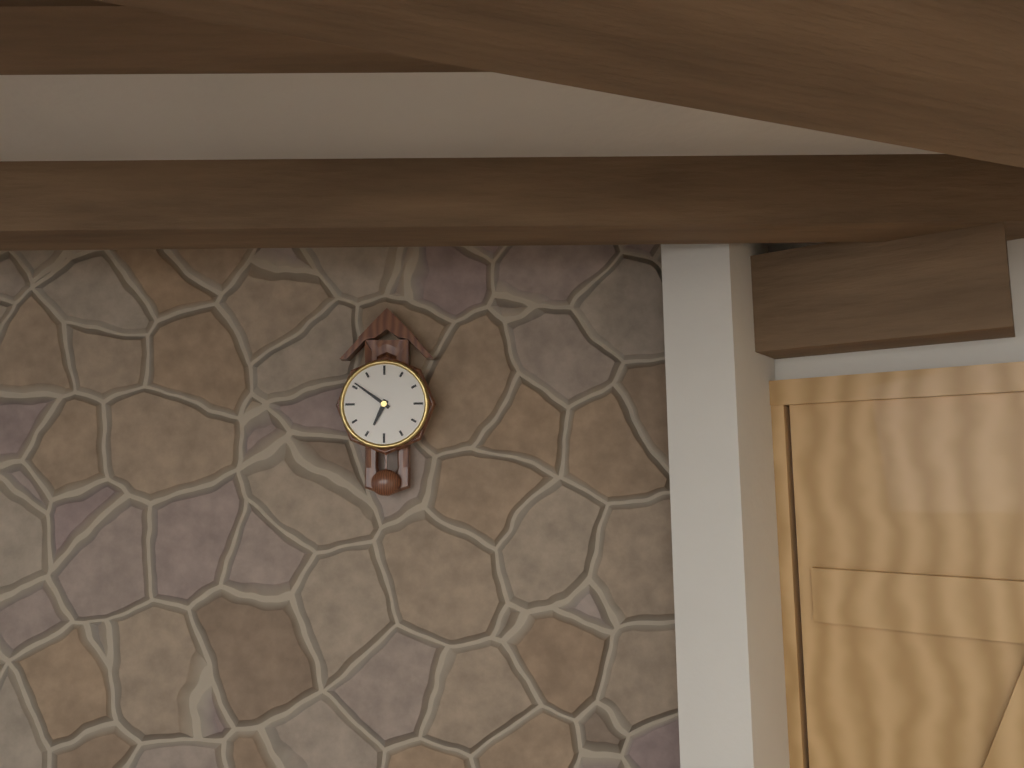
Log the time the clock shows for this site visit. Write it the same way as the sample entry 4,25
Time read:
6,51
